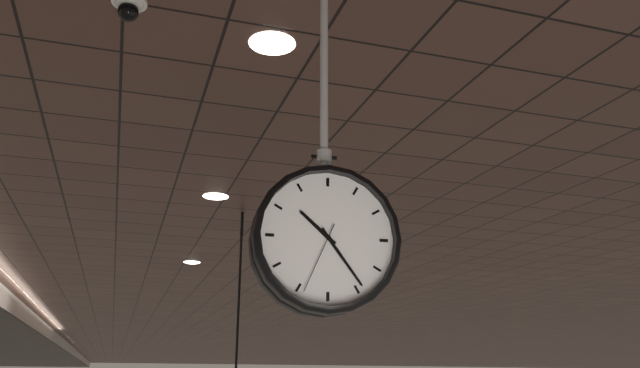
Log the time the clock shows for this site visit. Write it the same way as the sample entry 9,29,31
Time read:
10,24,34
